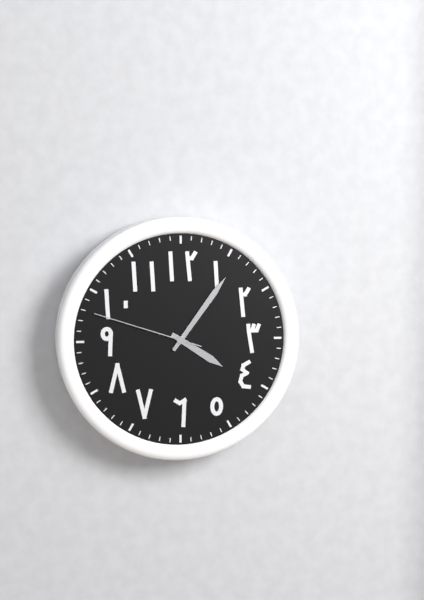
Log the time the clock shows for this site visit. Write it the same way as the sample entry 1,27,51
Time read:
4,06,48
